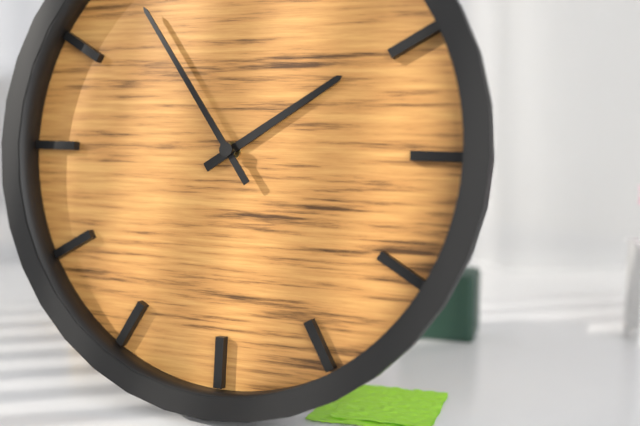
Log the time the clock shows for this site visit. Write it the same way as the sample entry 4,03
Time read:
1,54
